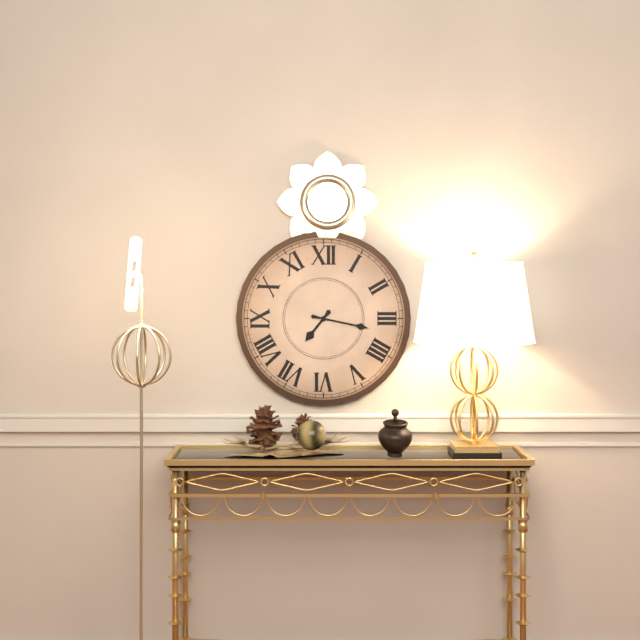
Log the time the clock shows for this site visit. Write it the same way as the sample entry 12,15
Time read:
7,17
